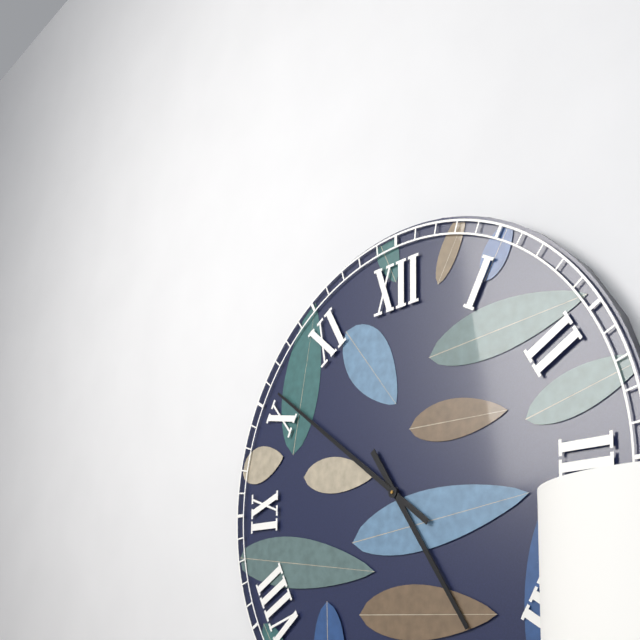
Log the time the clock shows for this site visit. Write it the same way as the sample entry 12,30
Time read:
4,51
